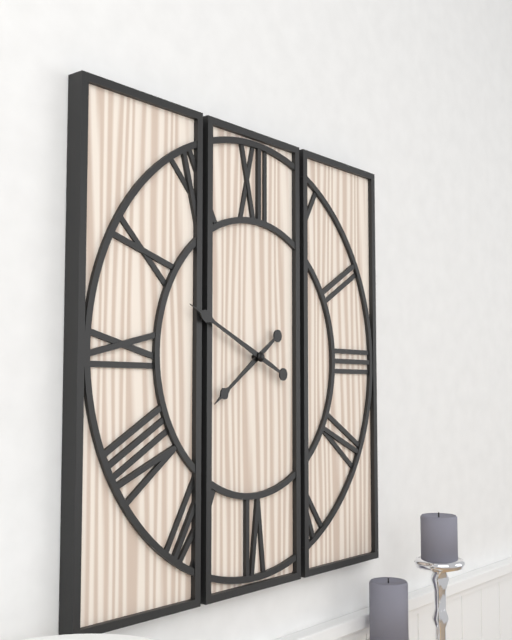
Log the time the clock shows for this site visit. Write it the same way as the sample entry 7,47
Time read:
7,49
